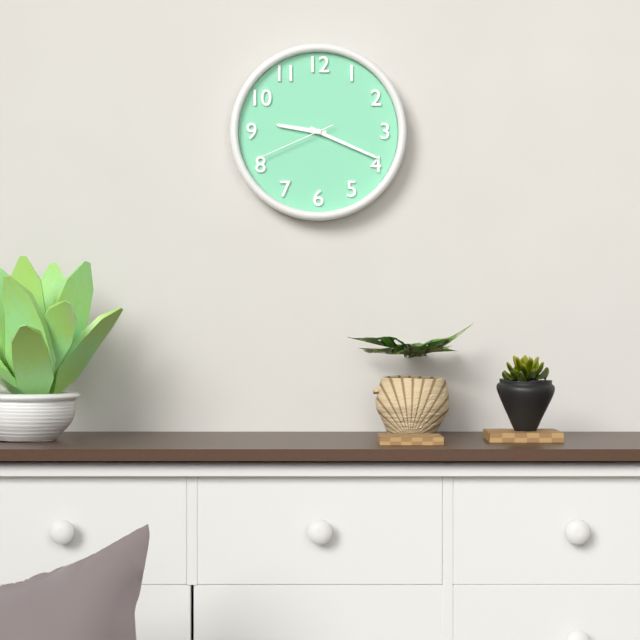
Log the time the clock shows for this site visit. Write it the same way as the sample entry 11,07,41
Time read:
9,19,41
